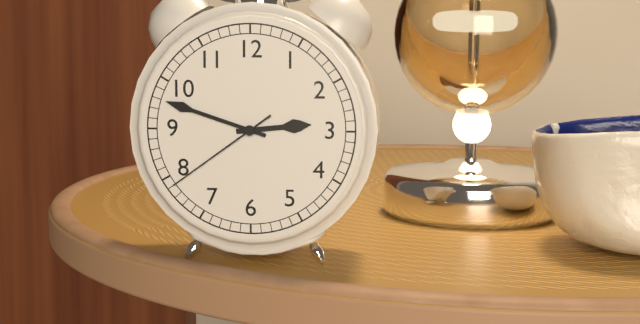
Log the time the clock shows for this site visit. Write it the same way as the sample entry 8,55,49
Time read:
2,48,39
